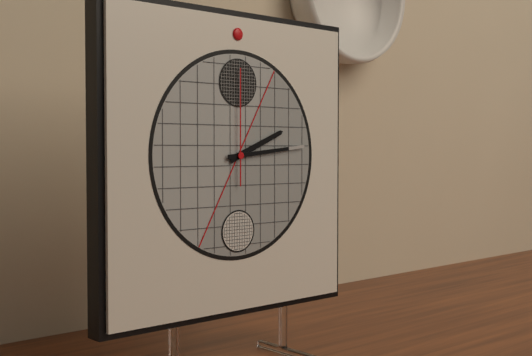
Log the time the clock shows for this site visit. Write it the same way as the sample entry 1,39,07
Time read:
2,14,00
